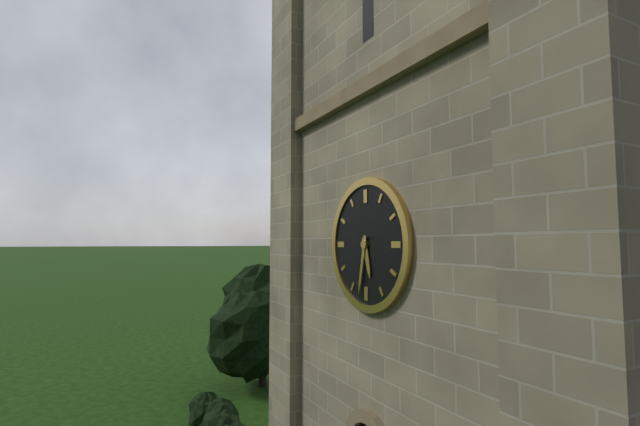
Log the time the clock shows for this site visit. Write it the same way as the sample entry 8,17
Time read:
5,32
